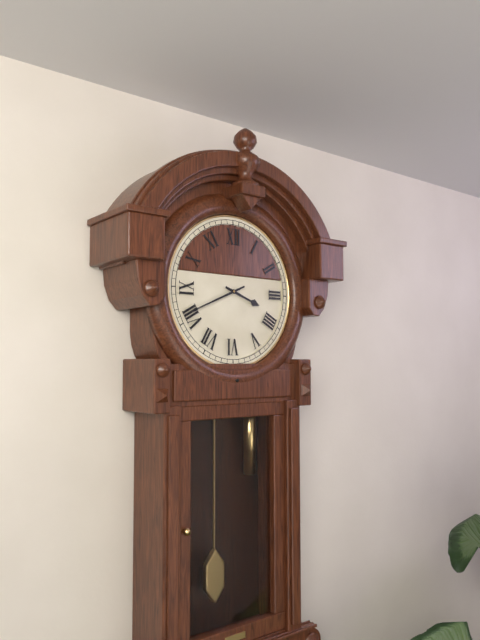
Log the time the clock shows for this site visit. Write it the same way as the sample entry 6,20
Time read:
3,41
